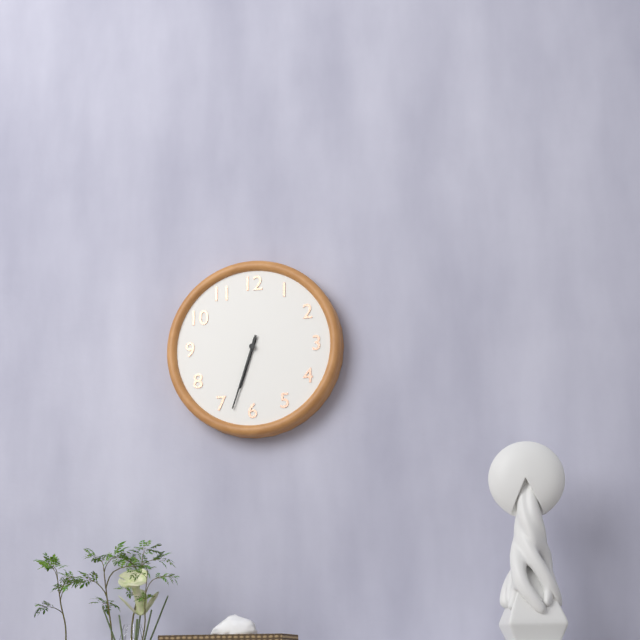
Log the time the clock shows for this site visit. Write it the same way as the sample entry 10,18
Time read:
6,33
